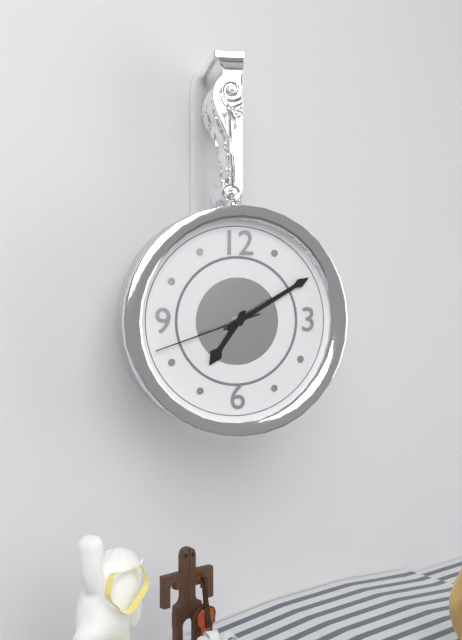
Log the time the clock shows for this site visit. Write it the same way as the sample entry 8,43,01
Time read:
7,10,42
